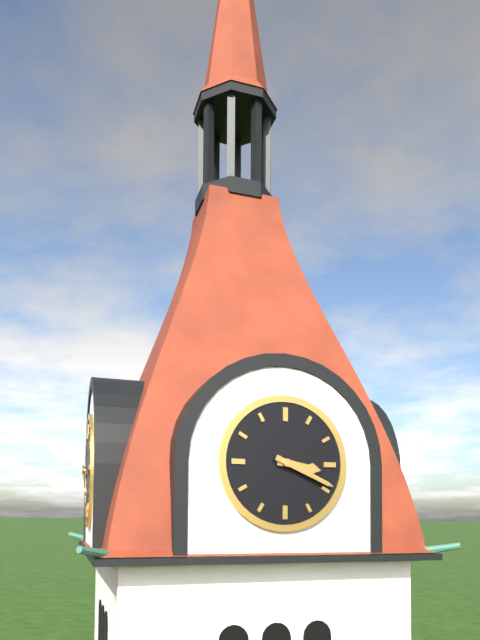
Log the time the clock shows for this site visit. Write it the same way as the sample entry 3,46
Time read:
3,19
